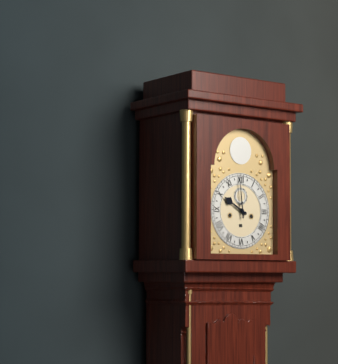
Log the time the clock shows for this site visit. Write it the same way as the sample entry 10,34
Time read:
9,59
